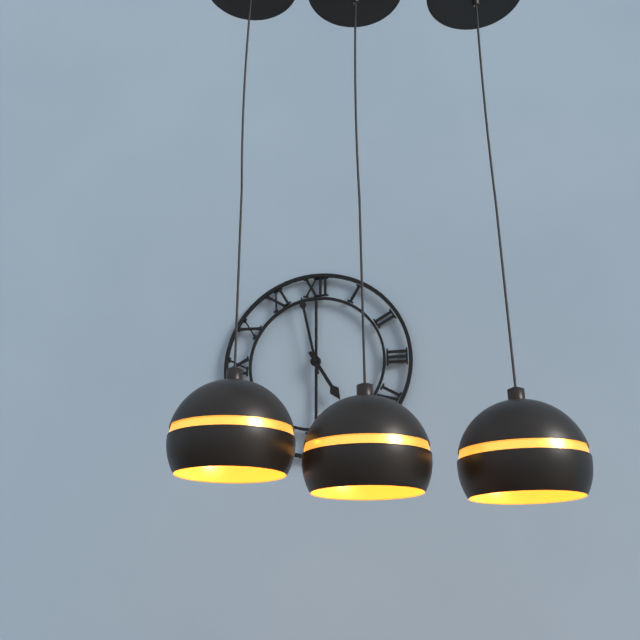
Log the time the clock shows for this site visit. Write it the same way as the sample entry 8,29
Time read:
4,58
